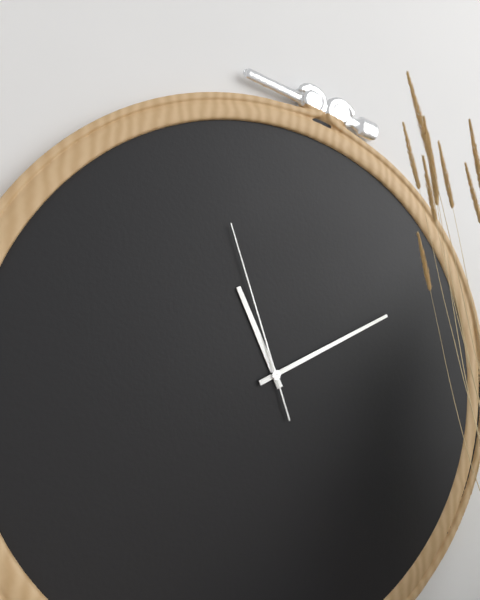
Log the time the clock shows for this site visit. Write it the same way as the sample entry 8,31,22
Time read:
11,11,57
